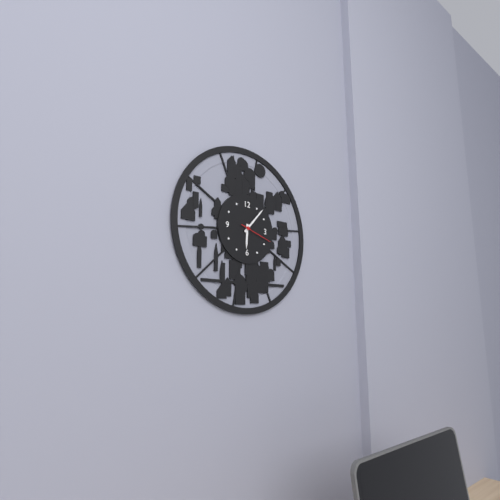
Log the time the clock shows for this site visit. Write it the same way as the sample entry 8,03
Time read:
6,07
